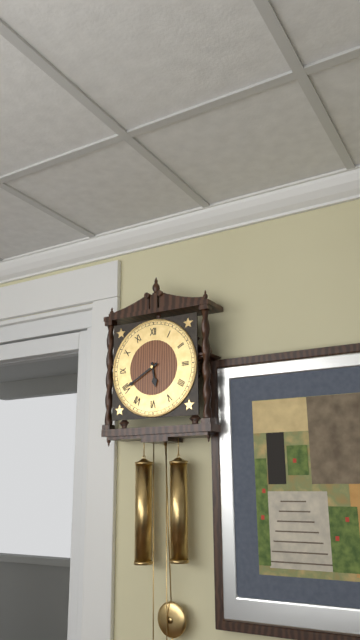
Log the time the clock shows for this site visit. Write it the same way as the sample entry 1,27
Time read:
5,40
